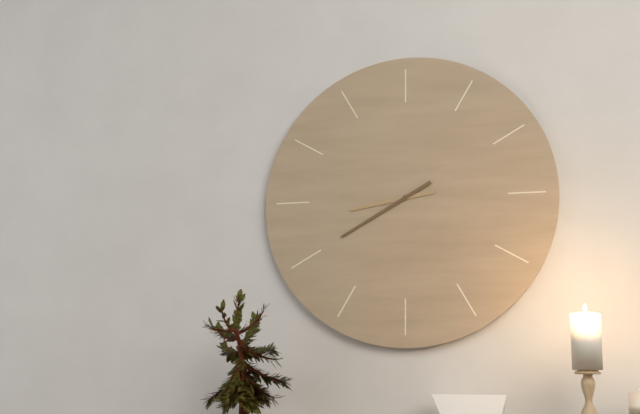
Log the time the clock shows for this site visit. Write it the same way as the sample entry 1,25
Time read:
8,40
